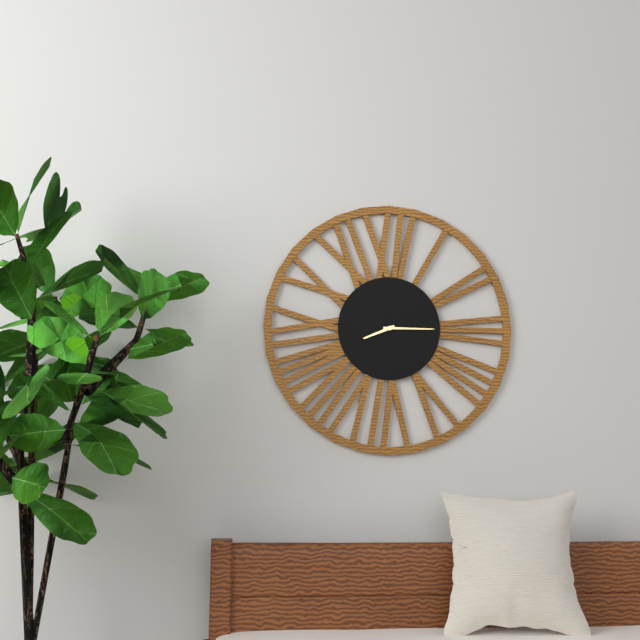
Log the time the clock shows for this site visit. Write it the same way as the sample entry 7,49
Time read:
8,15
